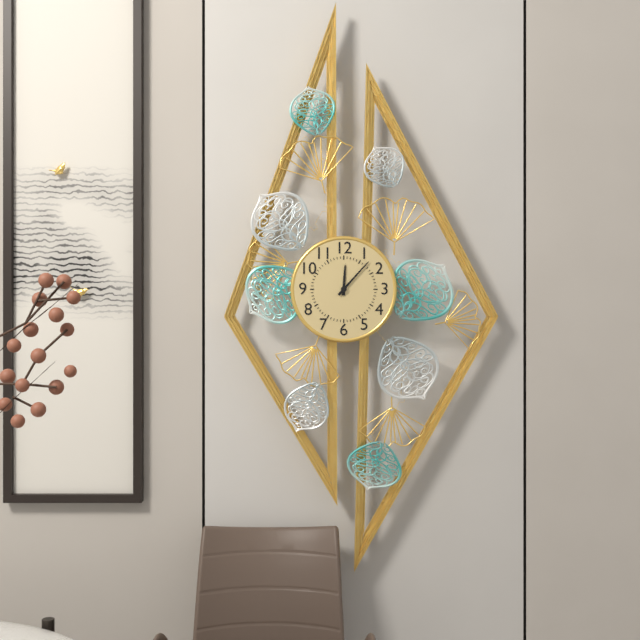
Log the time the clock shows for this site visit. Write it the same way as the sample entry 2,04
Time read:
12,07
